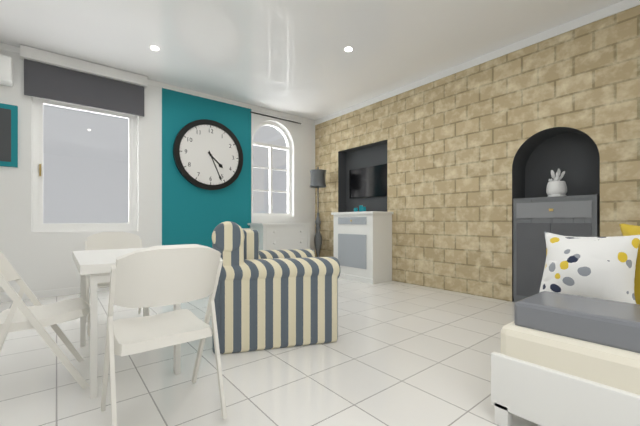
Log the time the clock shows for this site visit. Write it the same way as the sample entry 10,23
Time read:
4,26
